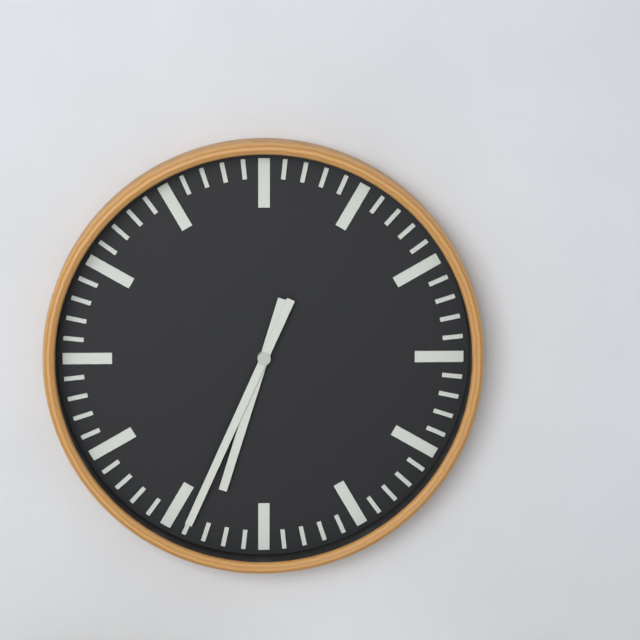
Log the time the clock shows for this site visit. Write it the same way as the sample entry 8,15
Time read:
6,34
